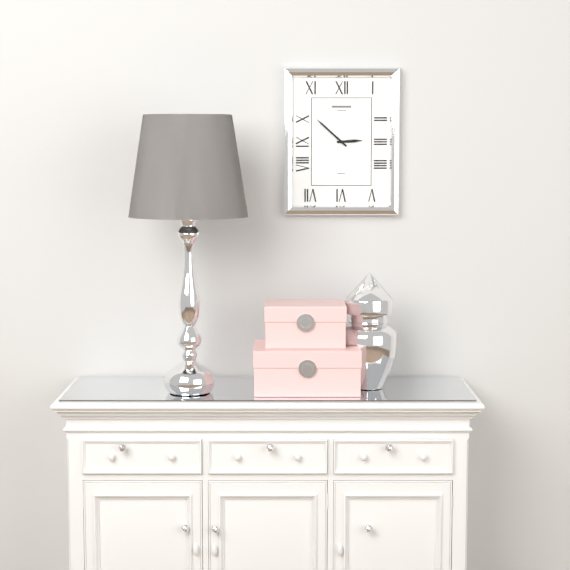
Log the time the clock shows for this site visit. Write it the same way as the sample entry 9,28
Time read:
2,52
